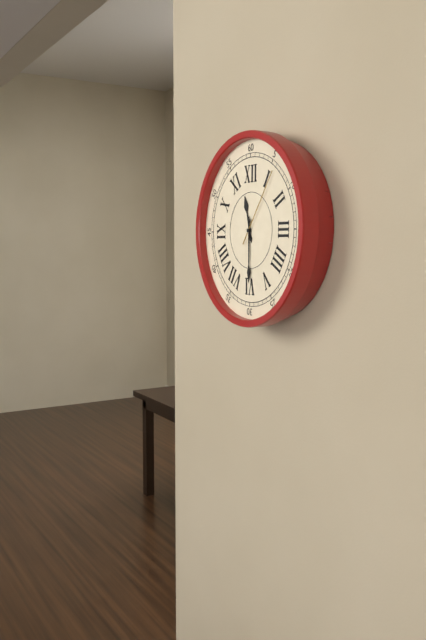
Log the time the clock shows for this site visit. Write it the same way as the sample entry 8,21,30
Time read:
11,30,06
